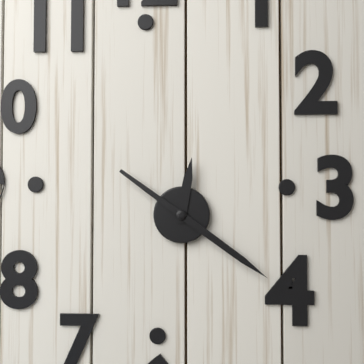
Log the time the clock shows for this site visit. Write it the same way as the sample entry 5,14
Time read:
12,21
